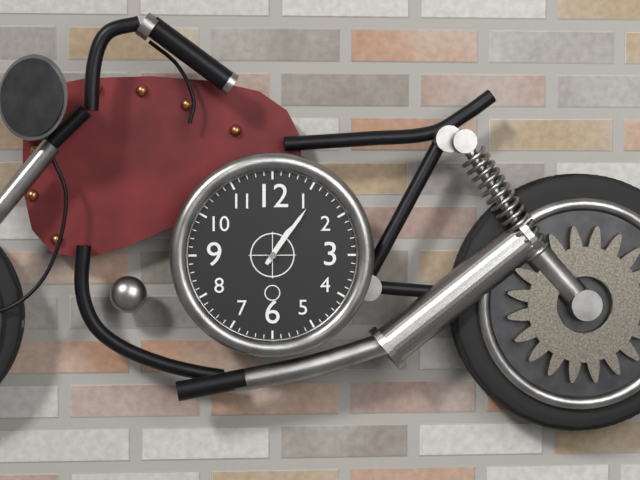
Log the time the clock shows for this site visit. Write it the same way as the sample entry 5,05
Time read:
1,06
